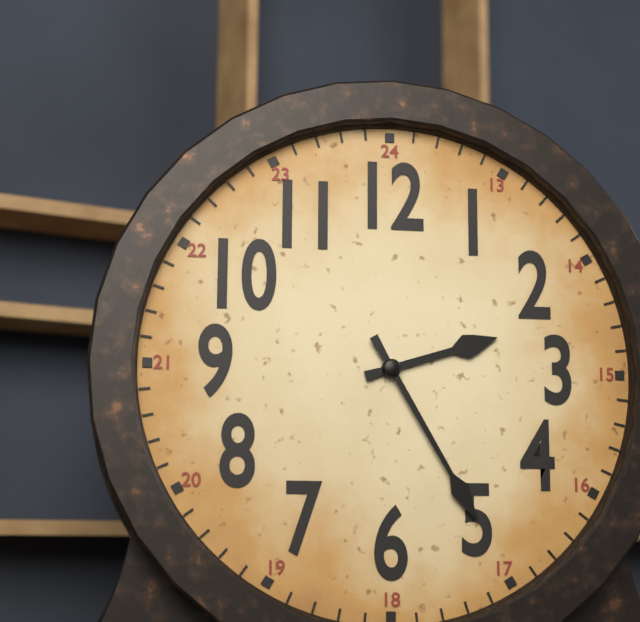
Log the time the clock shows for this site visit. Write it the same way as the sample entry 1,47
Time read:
2,25
